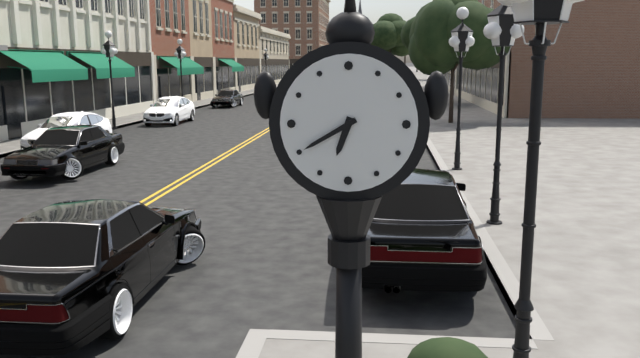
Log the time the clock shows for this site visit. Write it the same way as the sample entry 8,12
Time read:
6,40
